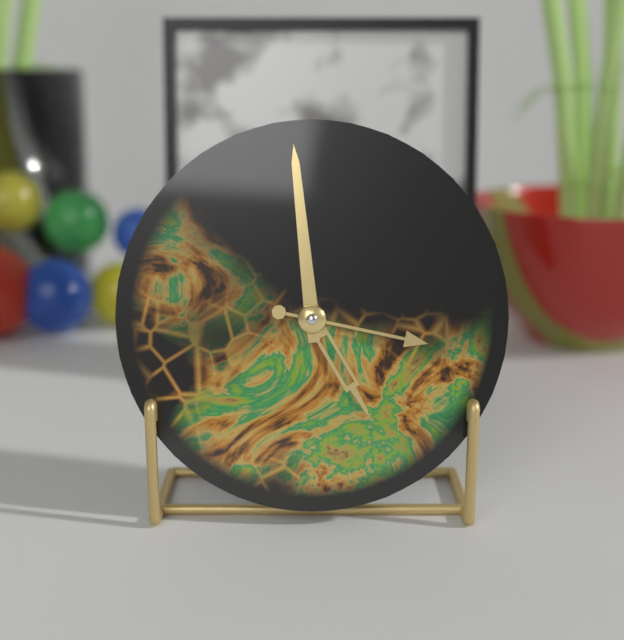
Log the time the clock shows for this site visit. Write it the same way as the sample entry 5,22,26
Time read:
4,59,17
